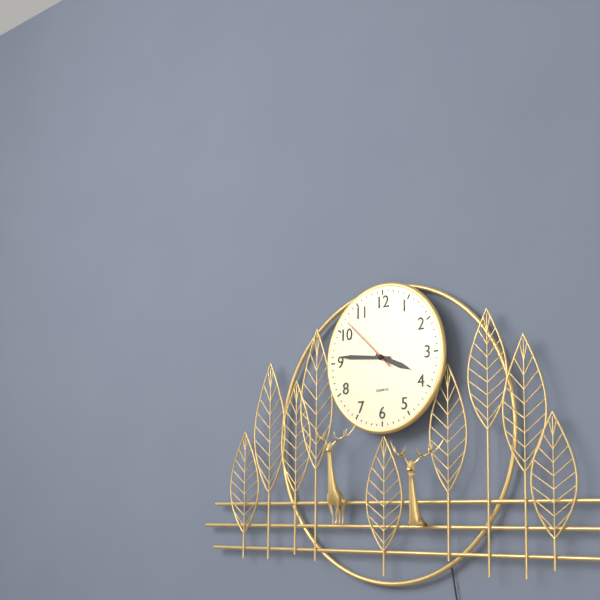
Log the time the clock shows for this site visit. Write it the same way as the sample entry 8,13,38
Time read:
3,46,52
